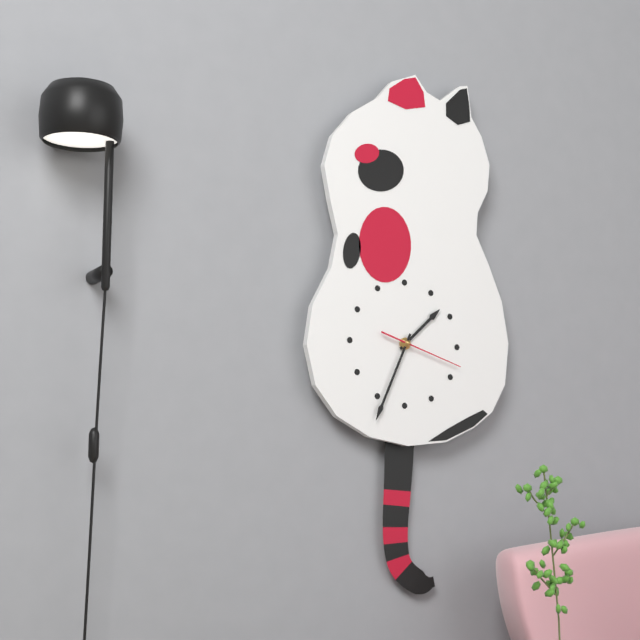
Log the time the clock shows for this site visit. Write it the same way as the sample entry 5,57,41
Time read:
1,34,18
